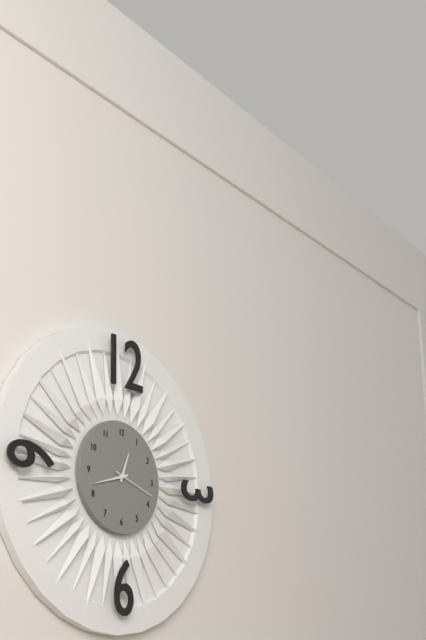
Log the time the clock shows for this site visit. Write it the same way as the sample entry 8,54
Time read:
12,42
